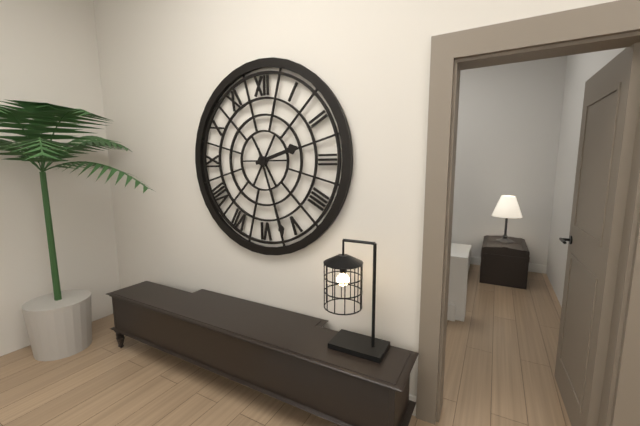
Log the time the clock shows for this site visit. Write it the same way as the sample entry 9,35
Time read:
2,27
